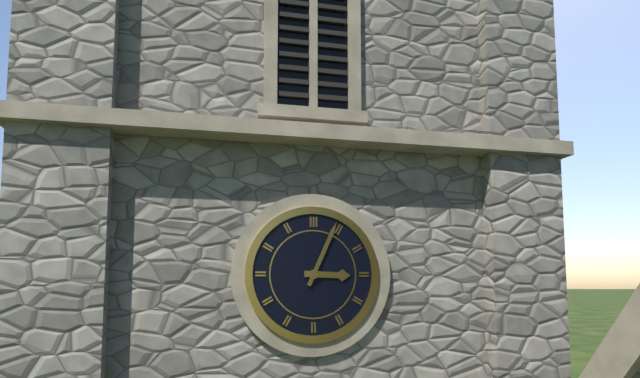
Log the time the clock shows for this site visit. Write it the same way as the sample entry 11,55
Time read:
3,04
